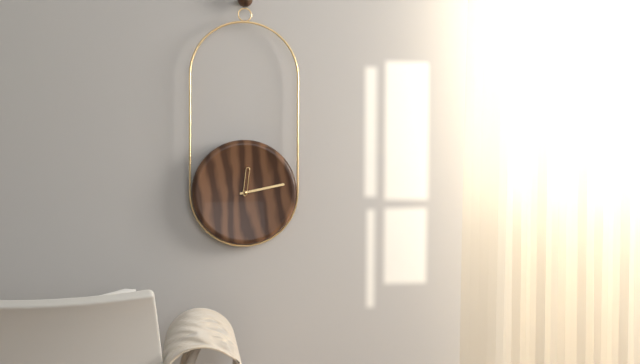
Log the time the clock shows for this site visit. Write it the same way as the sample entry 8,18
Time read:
12,13
